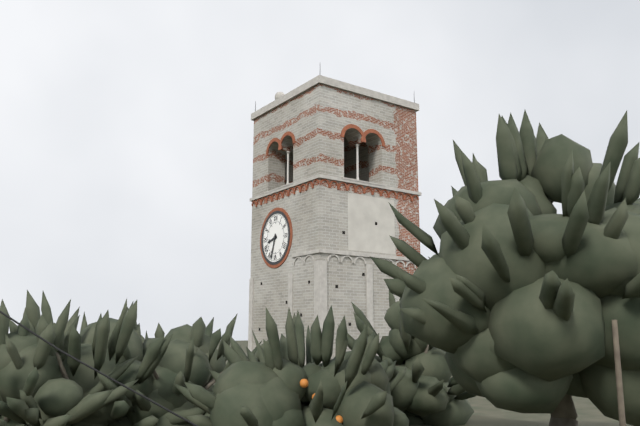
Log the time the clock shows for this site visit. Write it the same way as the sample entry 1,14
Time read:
8,33
